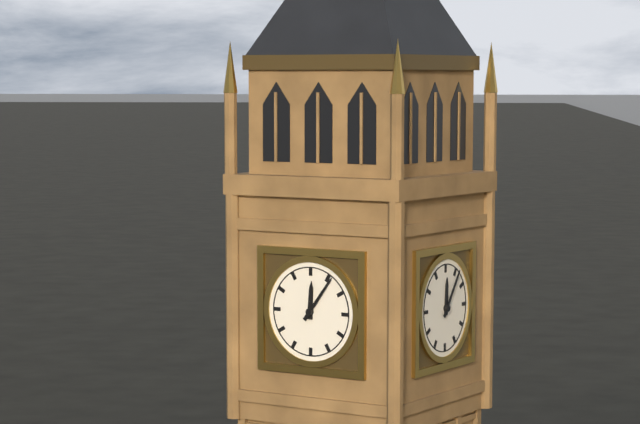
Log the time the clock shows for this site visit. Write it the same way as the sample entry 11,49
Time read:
12,06
